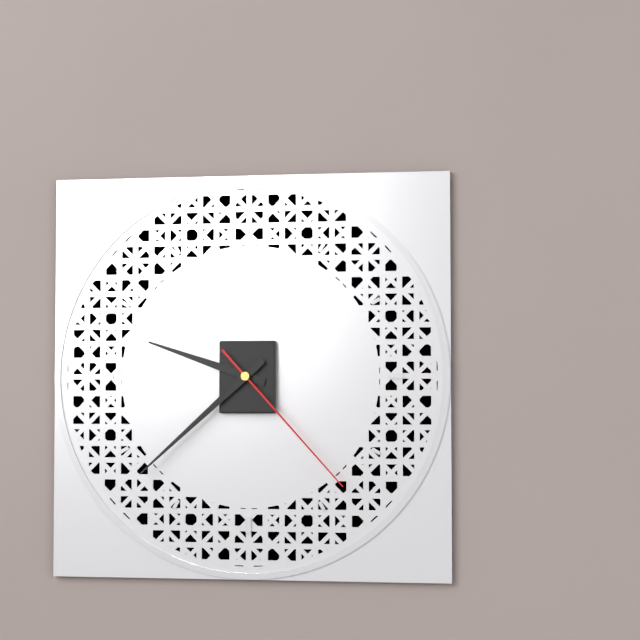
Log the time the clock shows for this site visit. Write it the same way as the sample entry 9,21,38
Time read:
9,38,23
